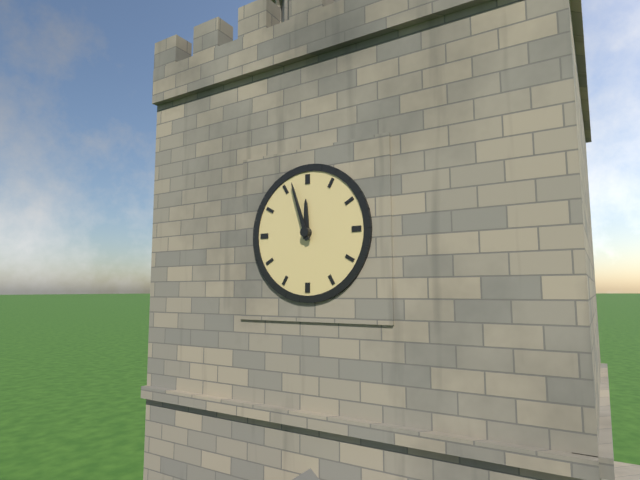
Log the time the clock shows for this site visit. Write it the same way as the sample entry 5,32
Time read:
11,57
